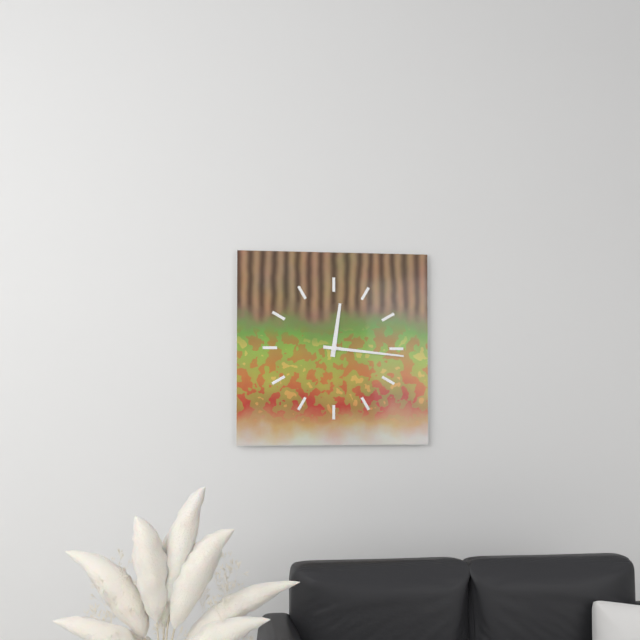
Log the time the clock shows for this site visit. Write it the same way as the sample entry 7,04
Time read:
12,16
